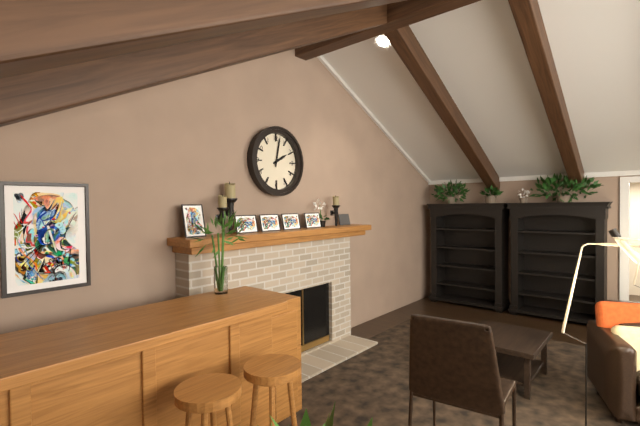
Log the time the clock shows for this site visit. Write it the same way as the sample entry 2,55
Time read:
2,02
